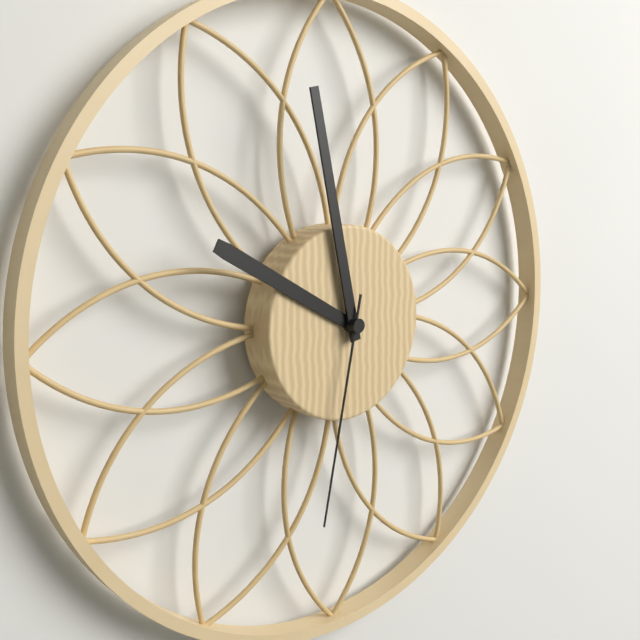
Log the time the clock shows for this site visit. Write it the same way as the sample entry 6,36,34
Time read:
9,58,32
